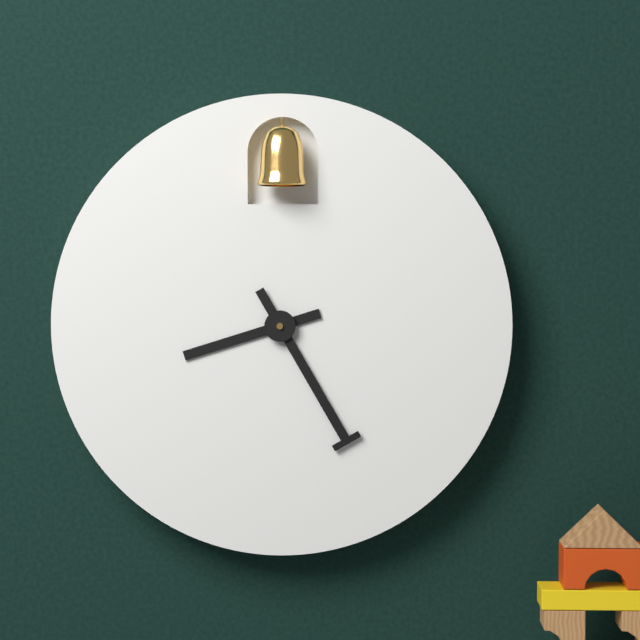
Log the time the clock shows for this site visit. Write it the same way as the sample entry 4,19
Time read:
8,25
